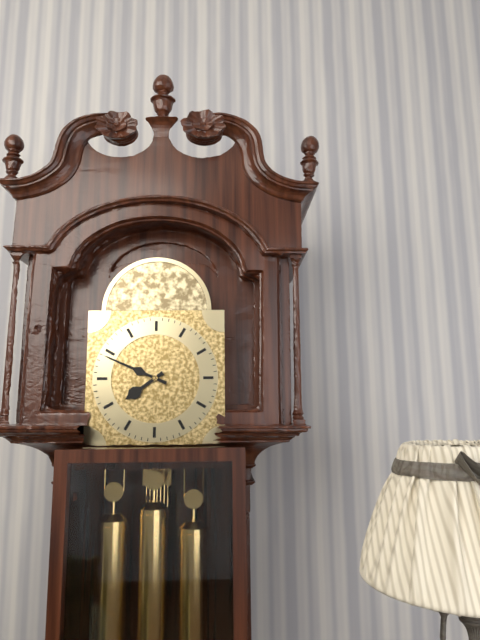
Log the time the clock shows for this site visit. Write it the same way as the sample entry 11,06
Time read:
7,49
